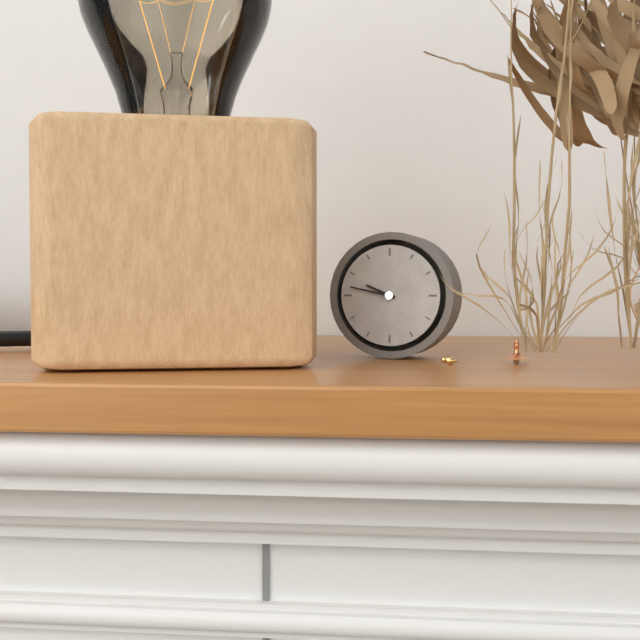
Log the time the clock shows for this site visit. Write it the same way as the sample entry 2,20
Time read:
9,47
